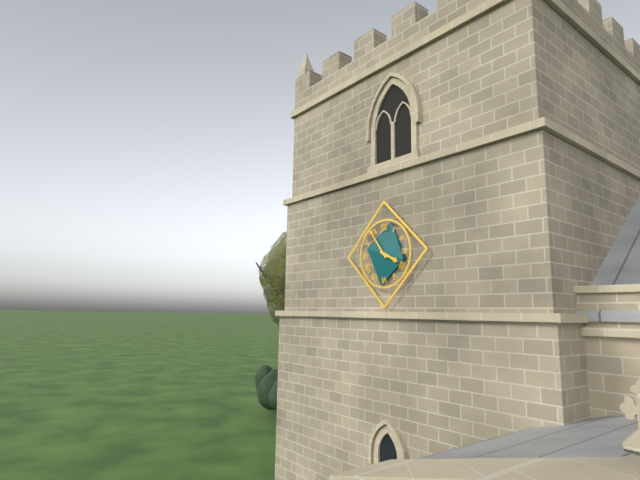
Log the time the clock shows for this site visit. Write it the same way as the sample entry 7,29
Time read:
3,54
